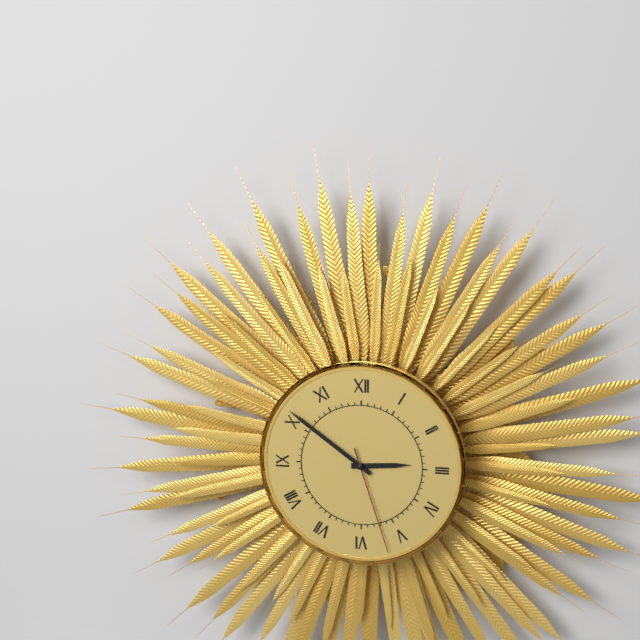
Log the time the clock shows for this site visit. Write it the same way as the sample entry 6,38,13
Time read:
2,51,27
